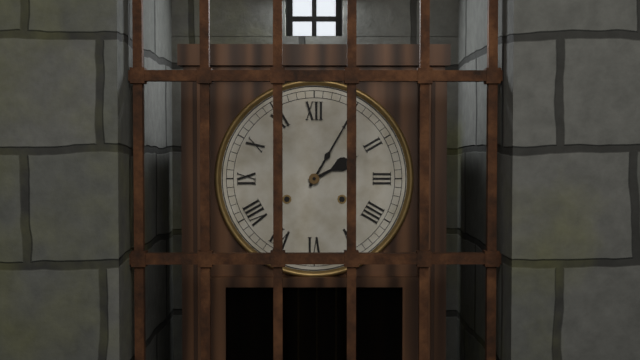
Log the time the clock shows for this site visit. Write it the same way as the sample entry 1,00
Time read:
2,05
